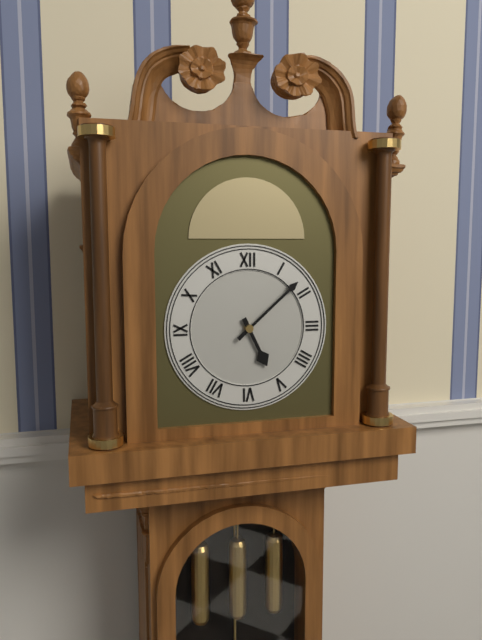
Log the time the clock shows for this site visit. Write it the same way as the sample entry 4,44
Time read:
5,08
